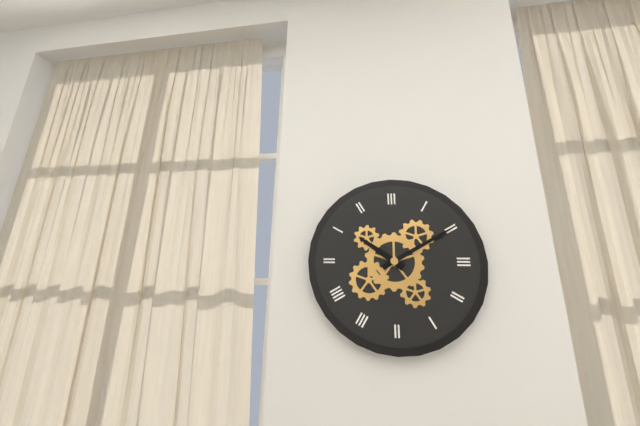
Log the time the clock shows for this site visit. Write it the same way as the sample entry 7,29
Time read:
10,10
